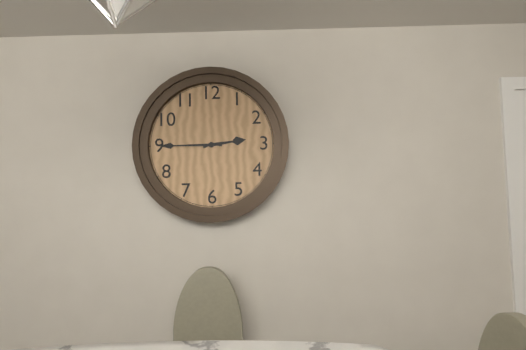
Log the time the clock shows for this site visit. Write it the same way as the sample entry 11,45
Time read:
2,45
